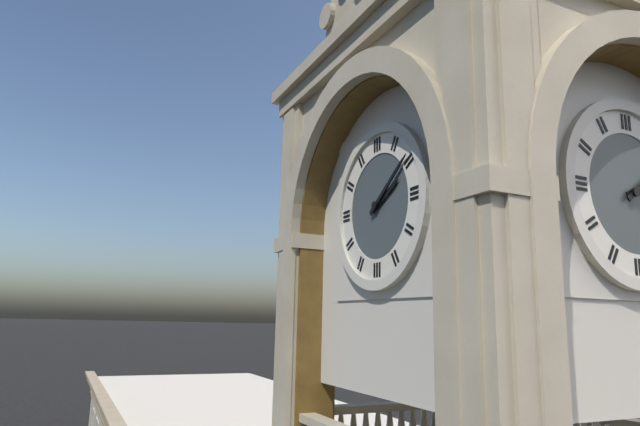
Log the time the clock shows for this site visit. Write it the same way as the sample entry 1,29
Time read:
2,09
